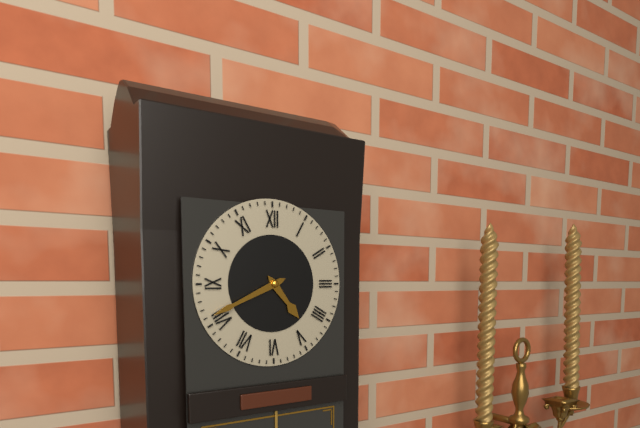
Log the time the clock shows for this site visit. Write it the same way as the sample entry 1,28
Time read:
4,41
